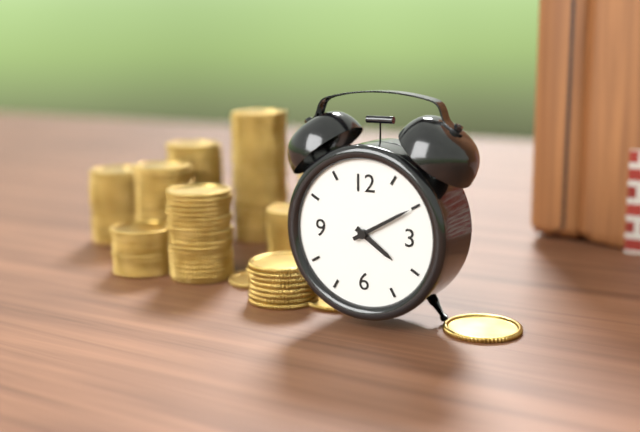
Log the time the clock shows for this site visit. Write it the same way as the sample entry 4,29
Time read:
4,10
